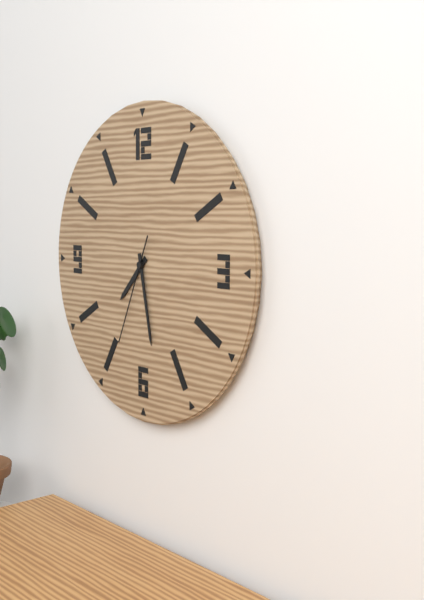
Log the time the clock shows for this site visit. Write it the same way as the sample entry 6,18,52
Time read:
7,28,34
